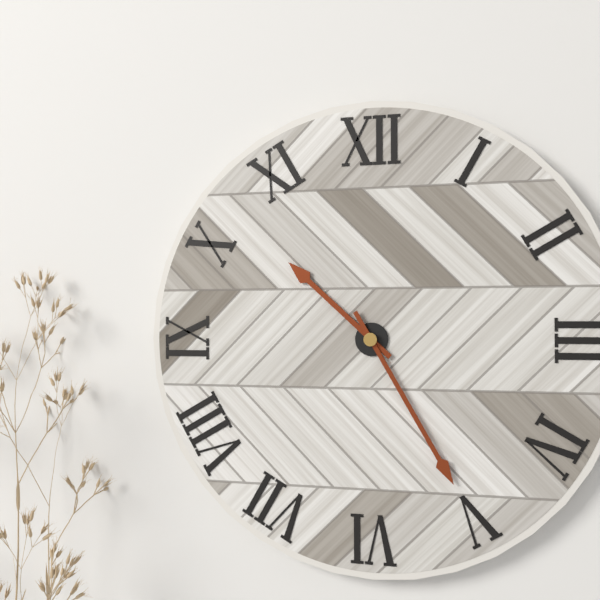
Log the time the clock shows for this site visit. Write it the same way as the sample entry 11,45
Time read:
10,25
